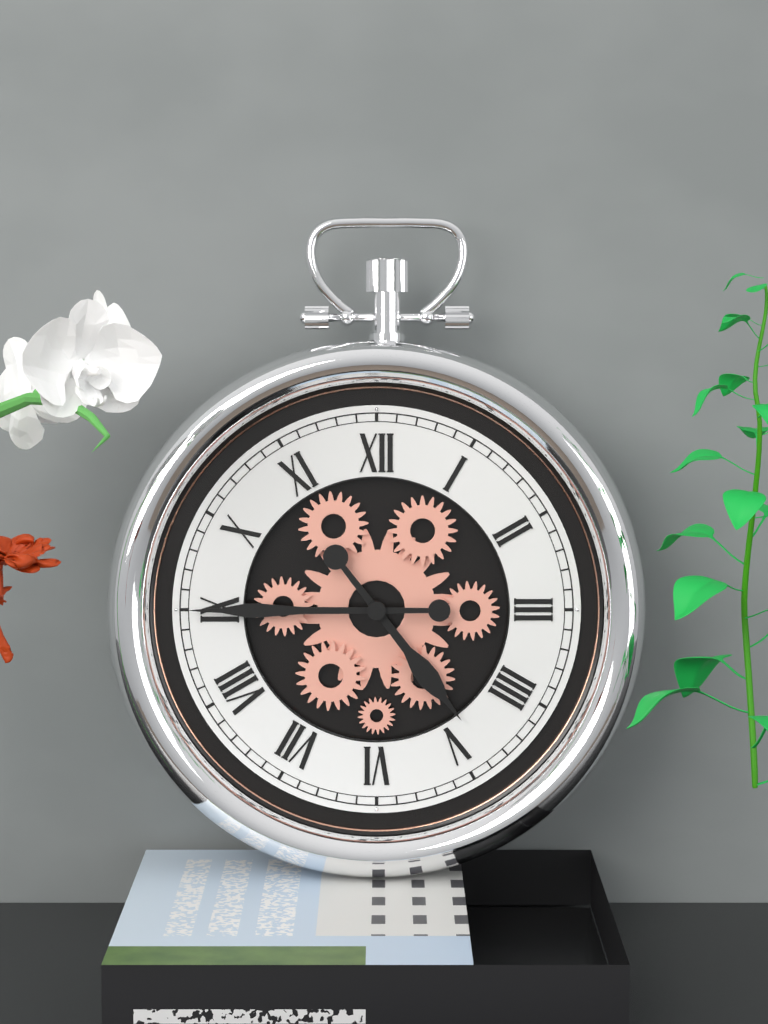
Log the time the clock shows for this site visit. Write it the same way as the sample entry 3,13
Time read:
4,45
